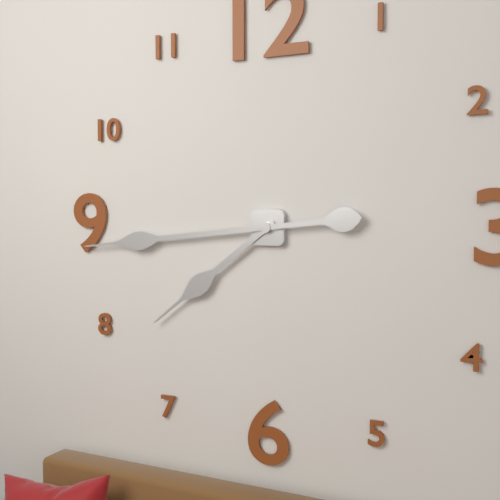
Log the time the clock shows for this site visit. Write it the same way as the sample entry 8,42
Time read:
7,44
